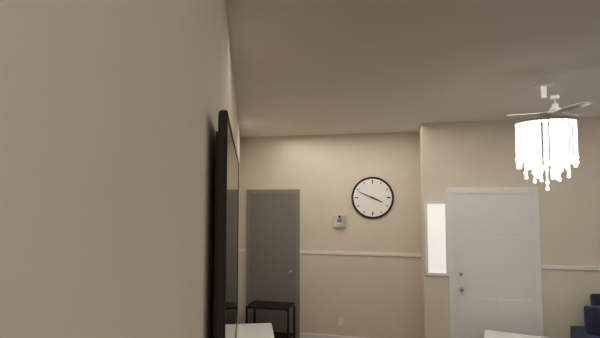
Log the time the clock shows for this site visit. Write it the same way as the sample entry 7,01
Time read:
3,49
